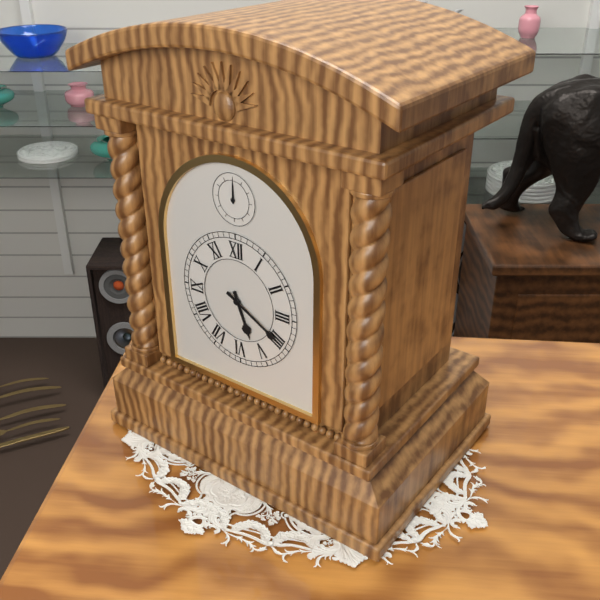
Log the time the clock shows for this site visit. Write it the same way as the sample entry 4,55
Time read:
5,20
